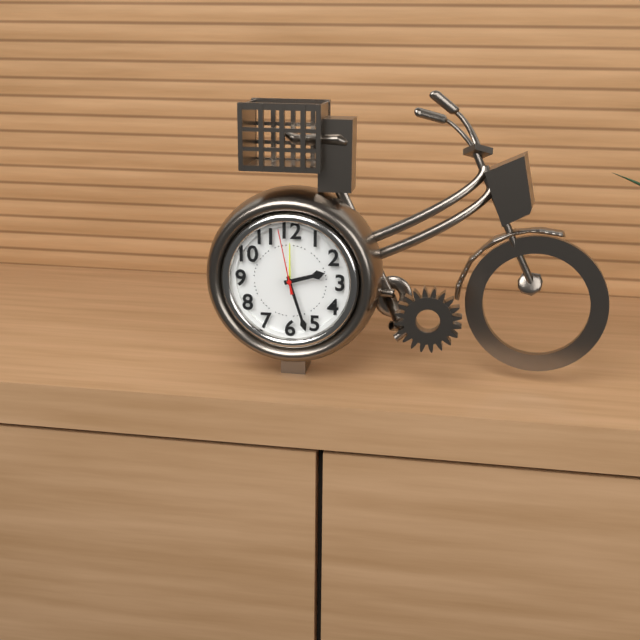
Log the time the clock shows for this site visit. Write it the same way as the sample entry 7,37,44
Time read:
2,27,58
